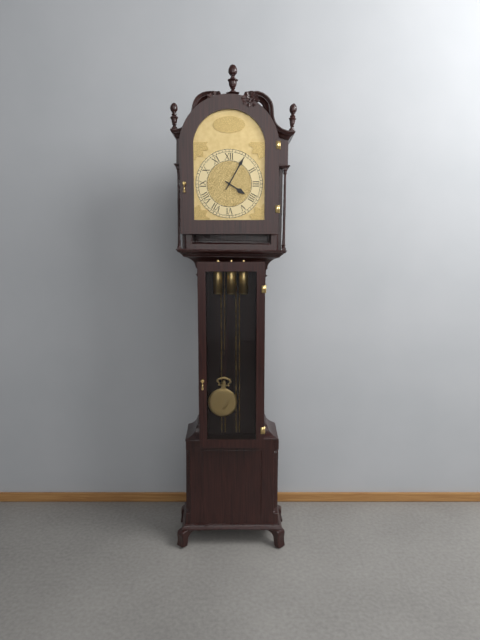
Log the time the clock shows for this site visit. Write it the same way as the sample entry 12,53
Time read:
4,05
